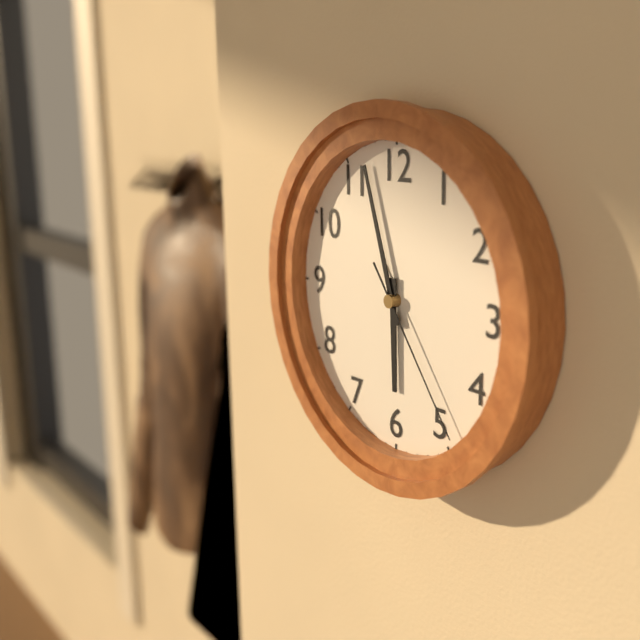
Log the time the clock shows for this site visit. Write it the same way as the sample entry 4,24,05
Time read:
5,57,24
